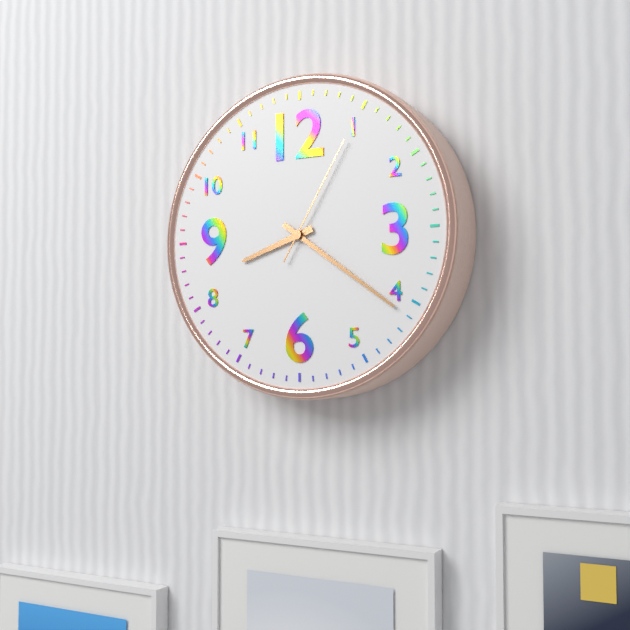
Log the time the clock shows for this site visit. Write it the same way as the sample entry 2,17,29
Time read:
8,21,05
